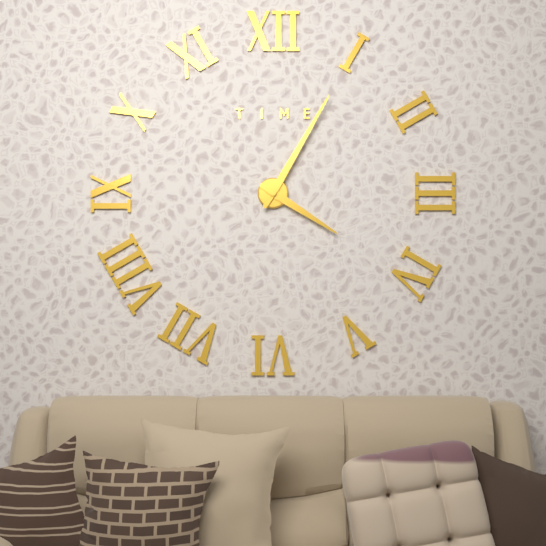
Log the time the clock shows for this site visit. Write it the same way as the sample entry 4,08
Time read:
4,05
